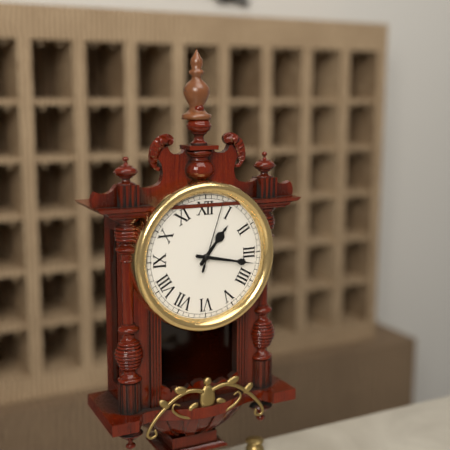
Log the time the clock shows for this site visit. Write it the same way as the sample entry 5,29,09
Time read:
1,17,03
